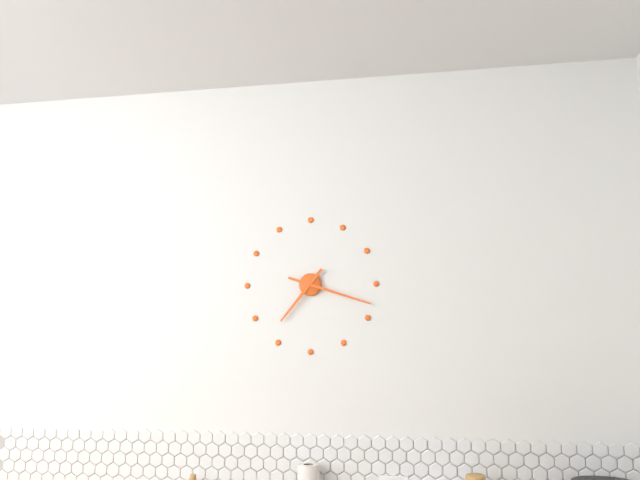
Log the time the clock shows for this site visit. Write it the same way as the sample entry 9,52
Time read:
7,18
